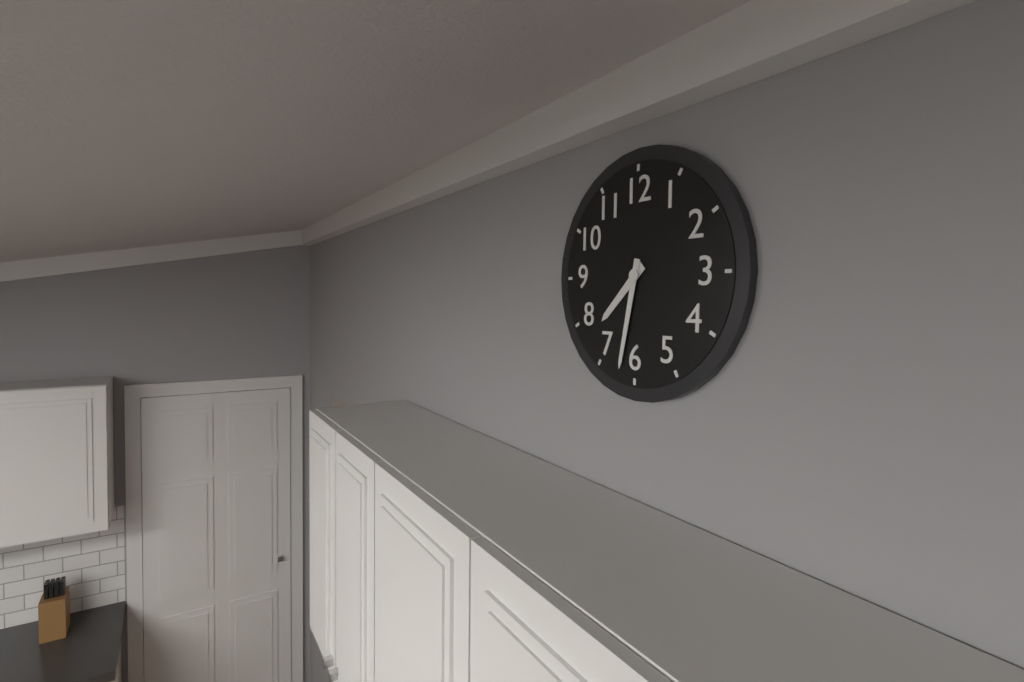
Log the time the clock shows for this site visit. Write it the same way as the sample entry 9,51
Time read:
7,32
